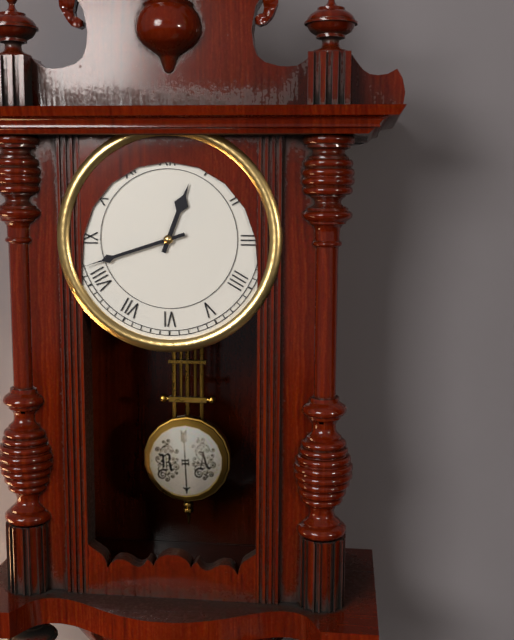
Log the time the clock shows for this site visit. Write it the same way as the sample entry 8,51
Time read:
12,42
